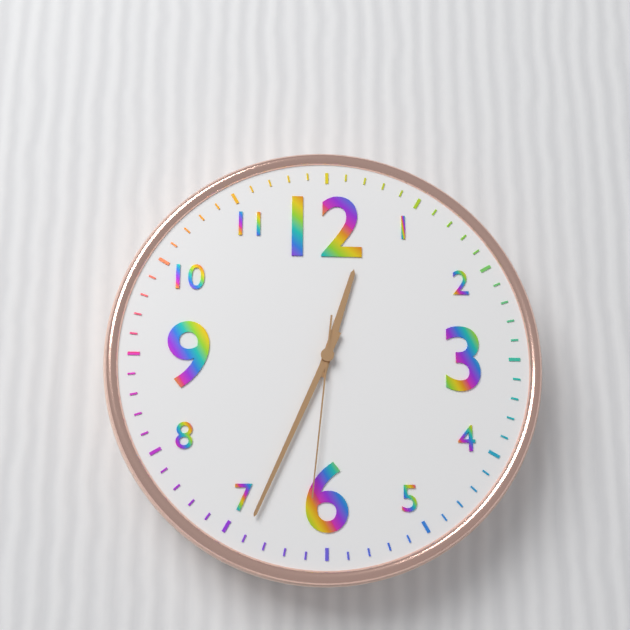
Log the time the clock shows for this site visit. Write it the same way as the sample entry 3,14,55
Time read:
12,34,31
